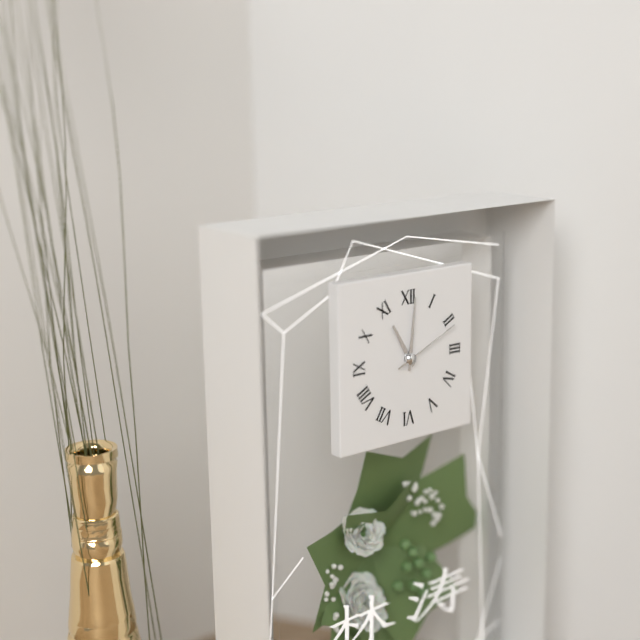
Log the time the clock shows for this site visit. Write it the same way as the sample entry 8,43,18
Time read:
11,01,11
